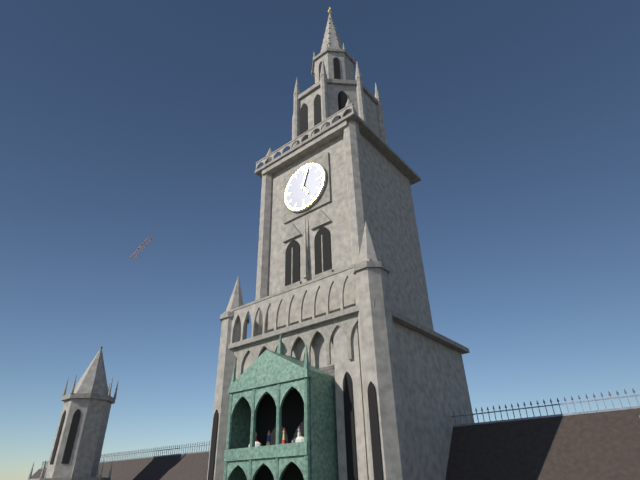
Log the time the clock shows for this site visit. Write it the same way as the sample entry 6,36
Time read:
5,03
